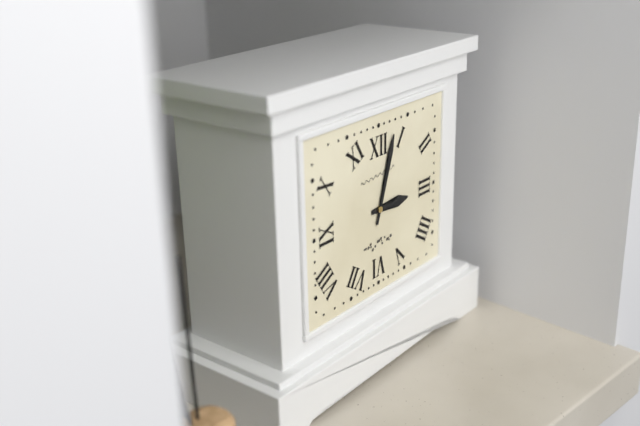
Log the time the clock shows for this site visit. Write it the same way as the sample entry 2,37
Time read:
3,03
